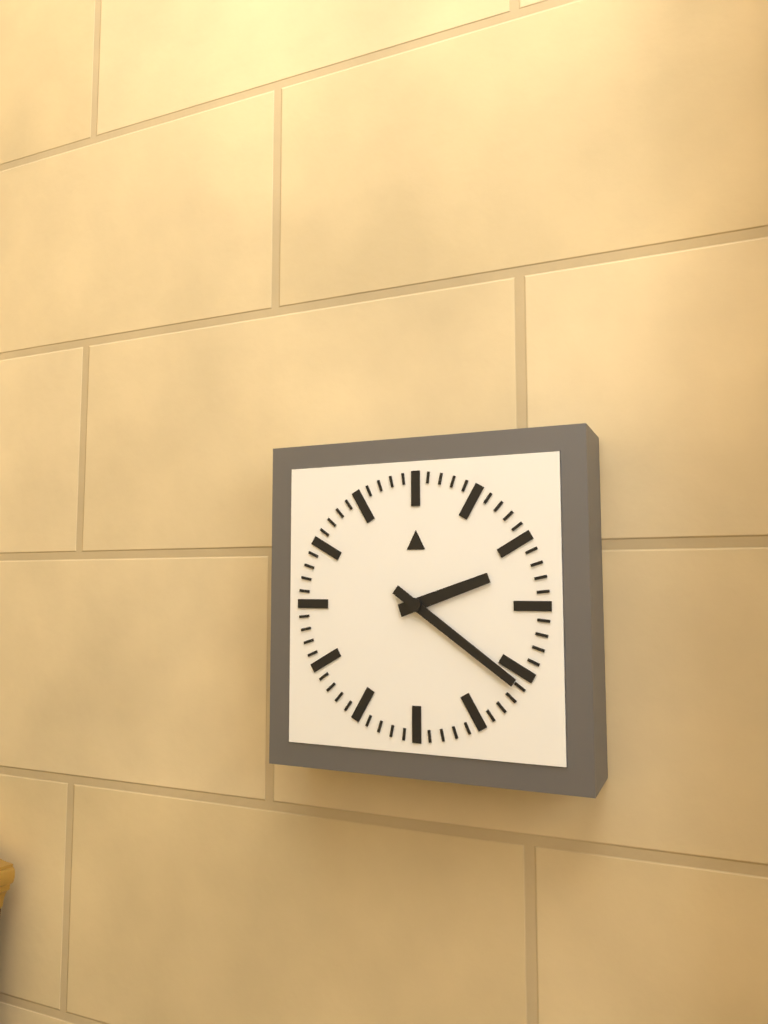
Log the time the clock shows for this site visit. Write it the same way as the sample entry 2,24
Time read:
2,21
